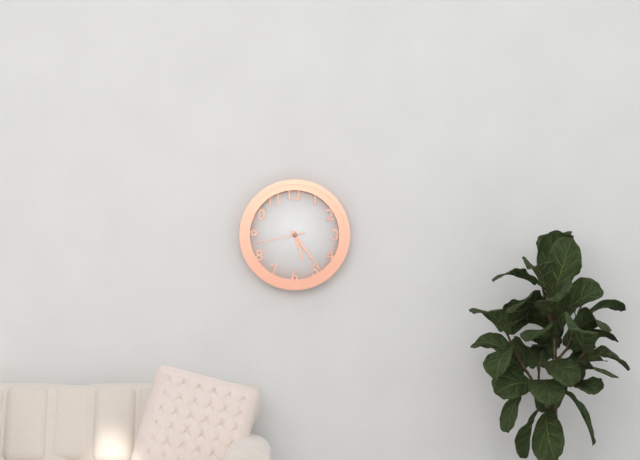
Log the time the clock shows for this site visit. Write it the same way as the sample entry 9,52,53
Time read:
5,24,43
